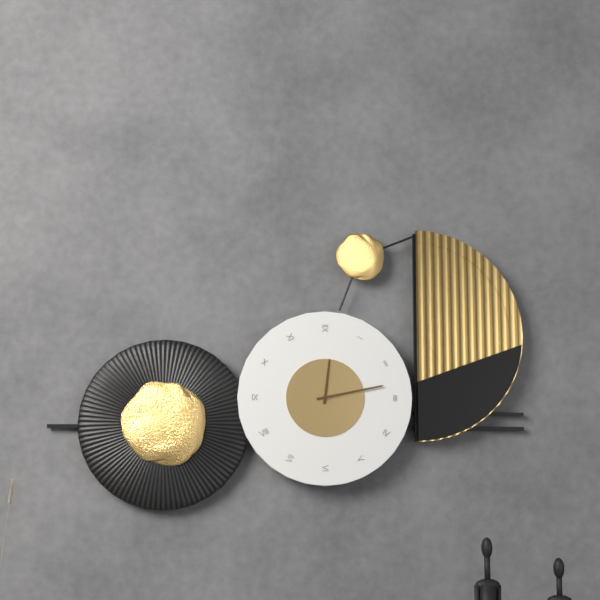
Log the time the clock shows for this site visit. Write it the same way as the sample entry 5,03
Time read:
12,13
